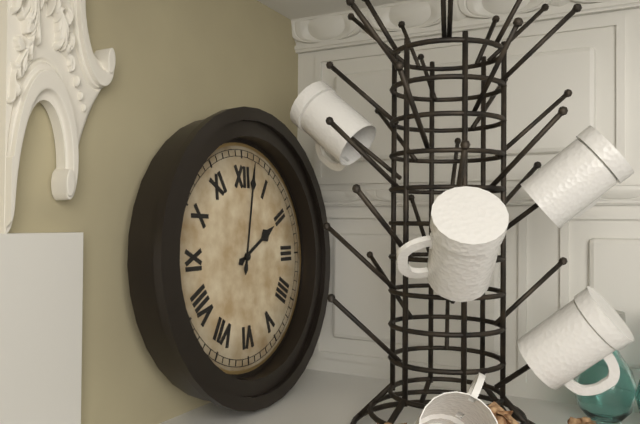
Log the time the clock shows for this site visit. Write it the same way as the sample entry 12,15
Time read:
2,02
